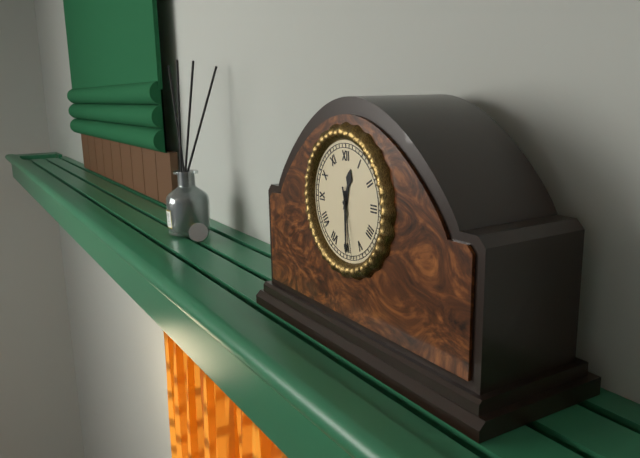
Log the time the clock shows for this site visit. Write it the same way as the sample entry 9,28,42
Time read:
12,30,28
